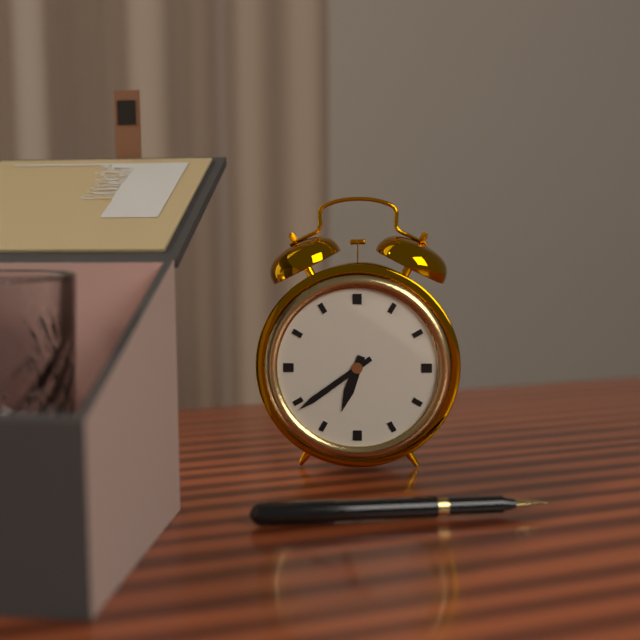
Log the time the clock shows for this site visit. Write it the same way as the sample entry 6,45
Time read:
6,39
